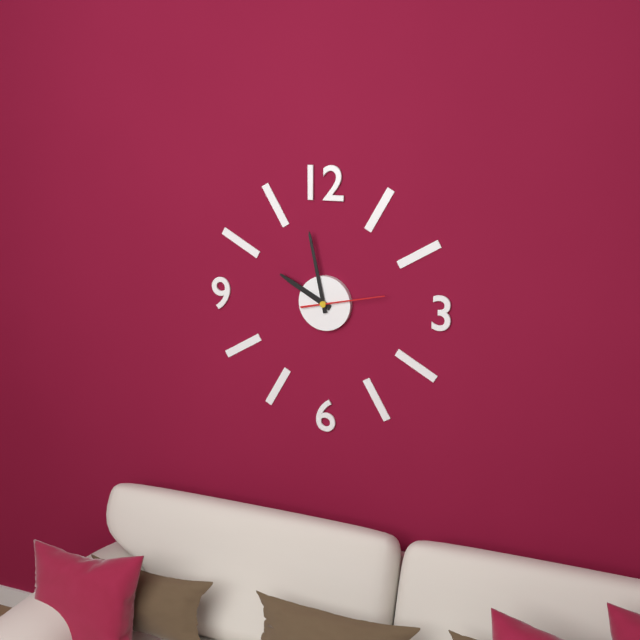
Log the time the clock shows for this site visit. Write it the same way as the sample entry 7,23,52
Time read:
9,58,13
